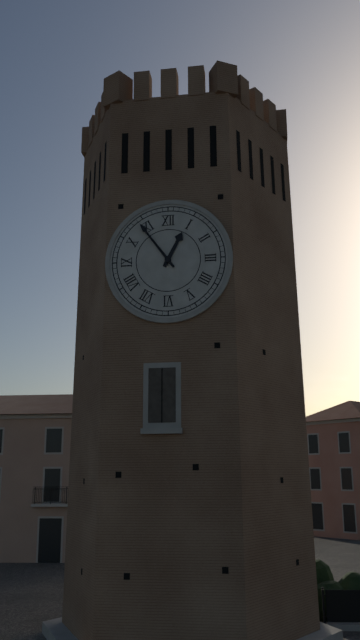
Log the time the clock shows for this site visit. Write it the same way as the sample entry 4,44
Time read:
12,54
